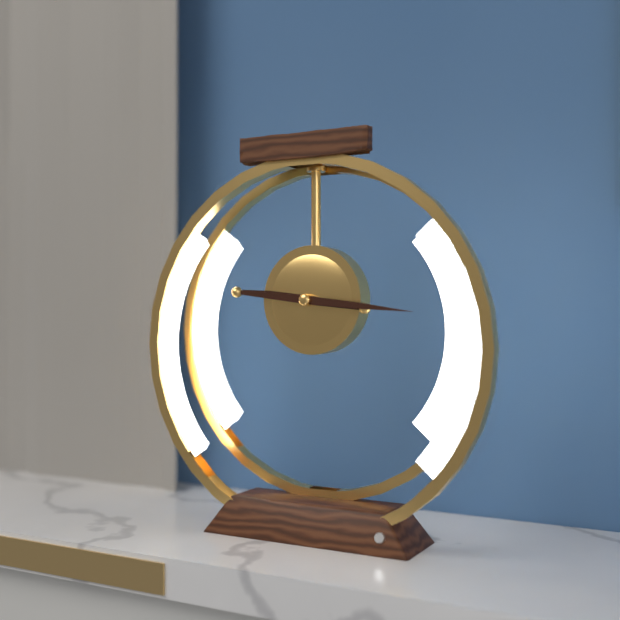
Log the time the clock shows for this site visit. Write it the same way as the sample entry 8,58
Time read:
9,16
